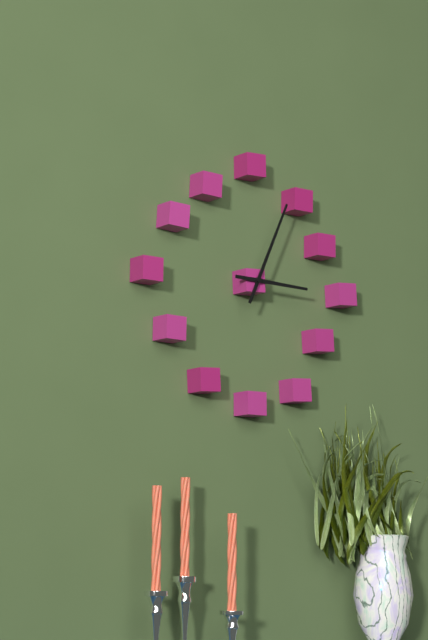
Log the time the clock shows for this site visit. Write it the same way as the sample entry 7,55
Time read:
3,04
